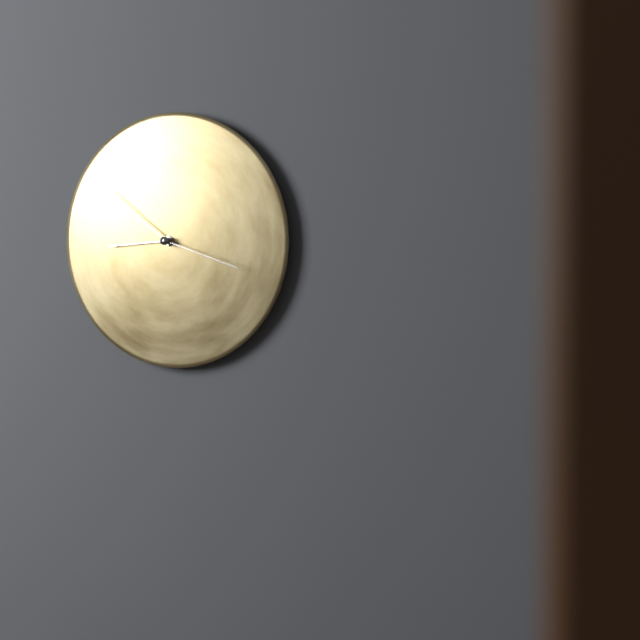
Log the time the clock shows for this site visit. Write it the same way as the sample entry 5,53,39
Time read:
8,51,18
